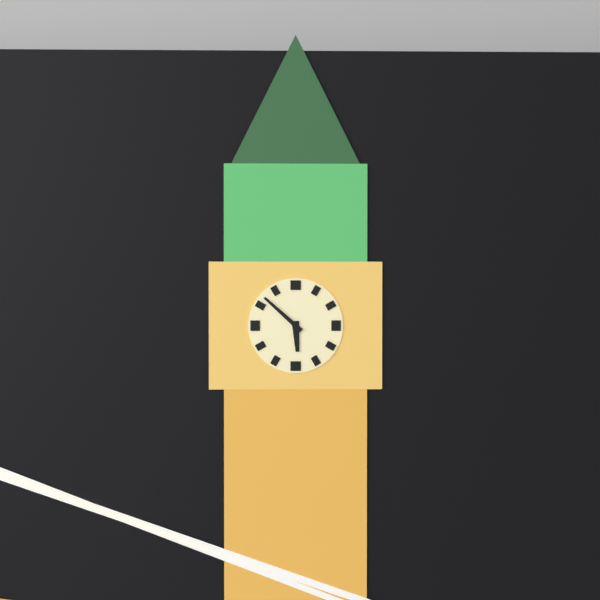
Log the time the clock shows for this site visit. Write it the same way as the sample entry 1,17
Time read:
5,52
